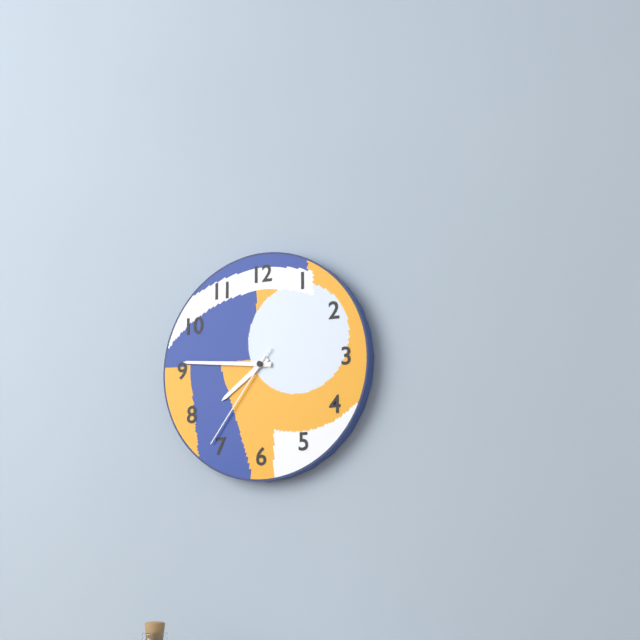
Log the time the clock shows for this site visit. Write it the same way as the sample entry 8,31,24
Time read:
7,46,36
